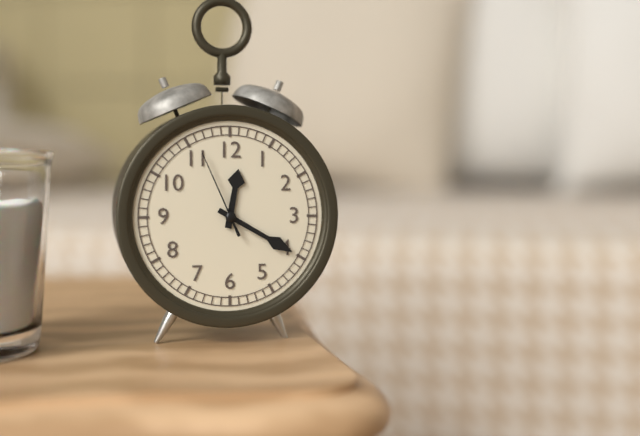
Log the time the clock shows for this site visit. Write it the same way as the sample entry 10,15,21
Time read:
12,20,56
